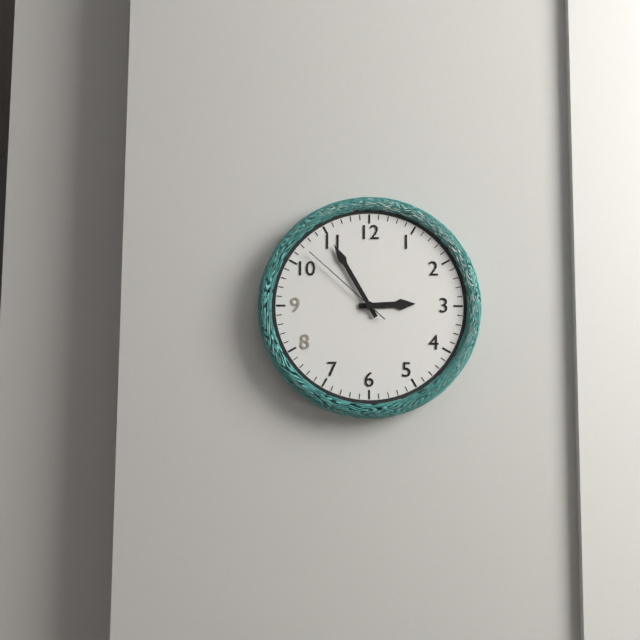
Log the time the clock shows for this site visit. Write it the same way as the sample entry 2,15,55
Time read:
2,55,52
